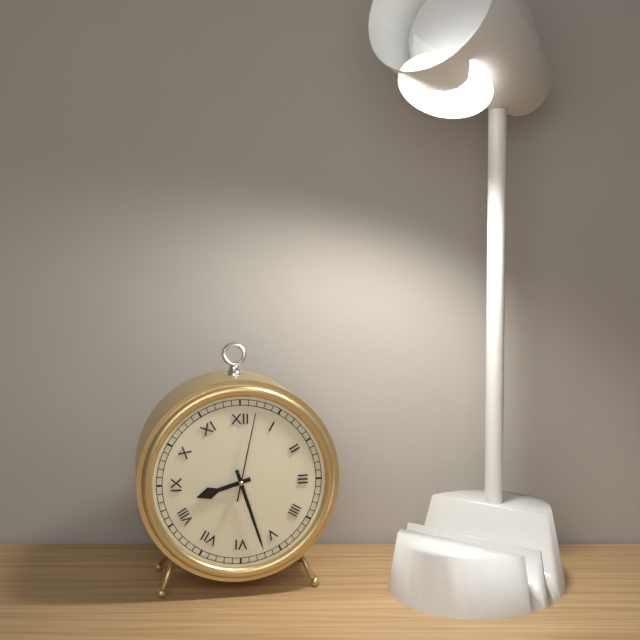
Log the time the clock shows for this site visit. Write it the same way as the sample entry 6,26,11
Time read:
8,27,02
